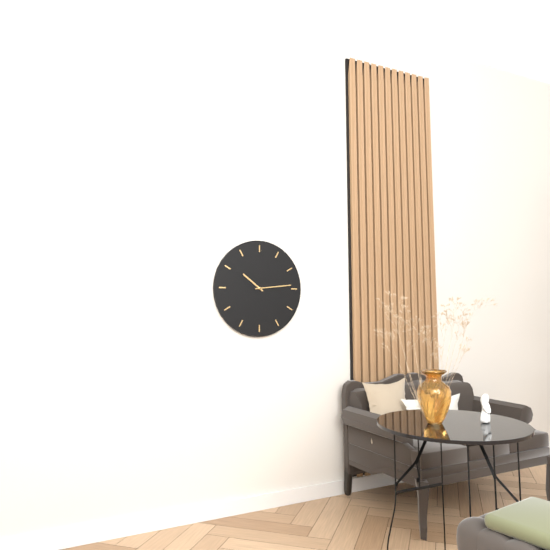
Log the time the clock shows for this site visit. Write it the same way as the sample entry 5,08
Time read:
10,14
